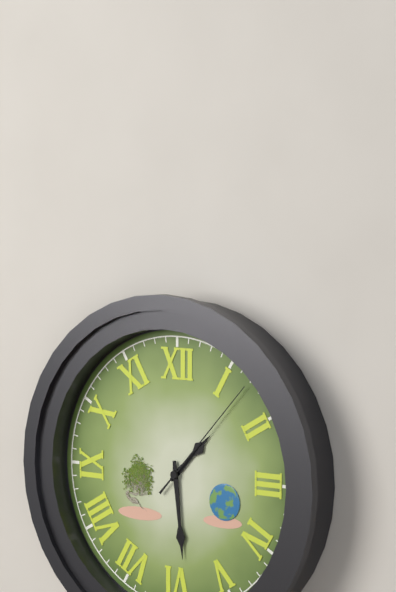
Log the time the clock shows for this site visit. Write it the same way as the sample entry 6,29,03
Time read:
1,29,07
